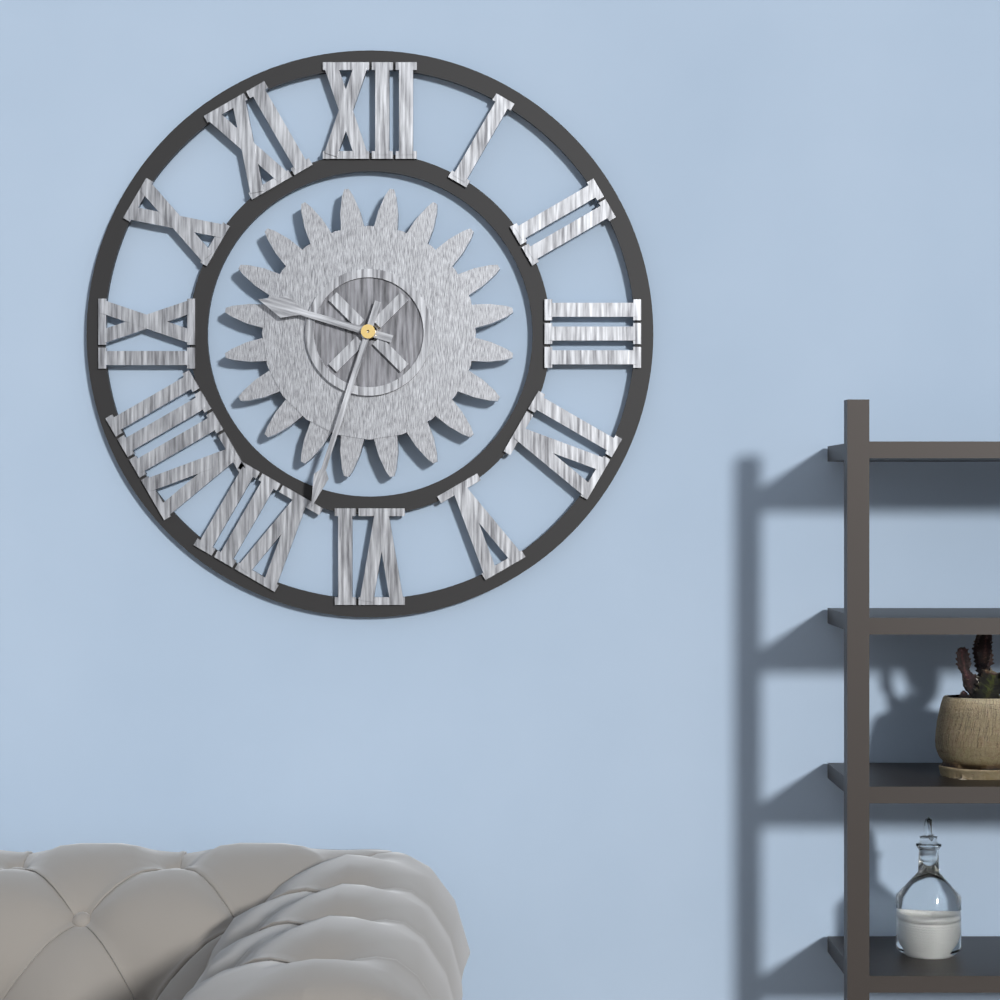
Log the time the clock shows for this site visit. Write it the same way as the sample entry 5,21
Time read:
9,33
